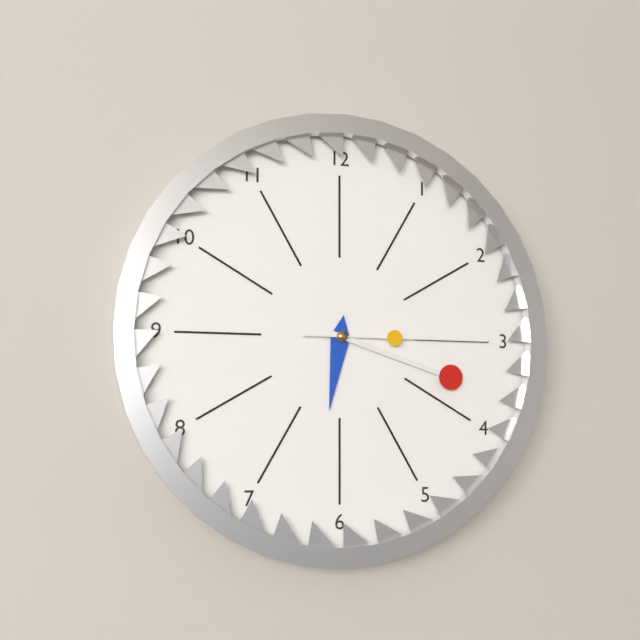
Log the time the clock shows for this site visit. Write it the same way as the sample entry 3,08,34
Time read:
6,18,15
